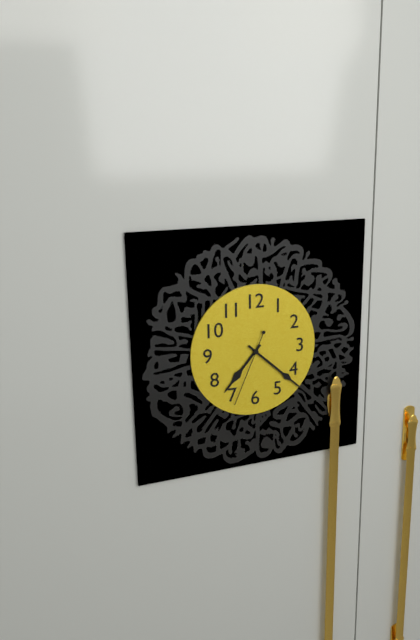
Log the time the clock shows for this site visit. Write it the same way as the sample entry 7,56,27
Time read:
7,22,34
